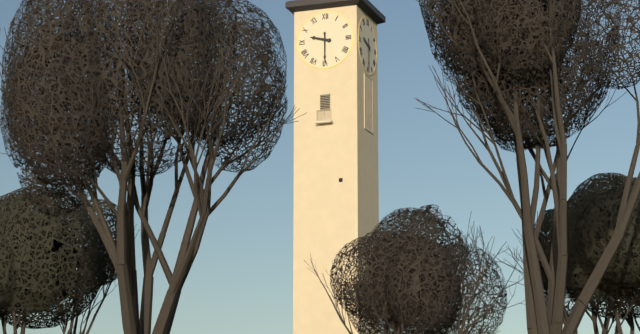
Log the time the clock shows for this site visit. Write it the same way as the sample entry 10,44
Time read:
9,30
